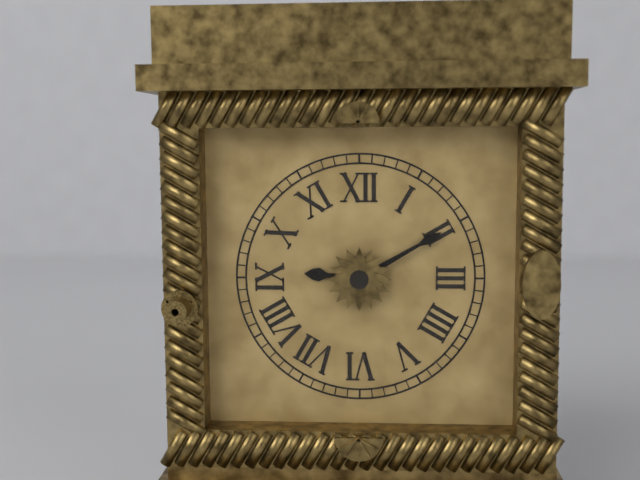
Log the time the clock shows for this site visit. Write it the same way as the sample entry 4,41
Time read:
9,10
